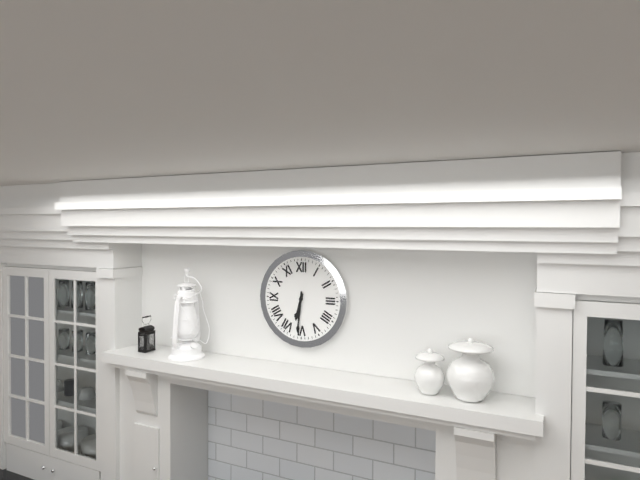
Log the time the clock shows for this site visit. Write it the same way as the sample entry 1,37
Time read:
6,31
